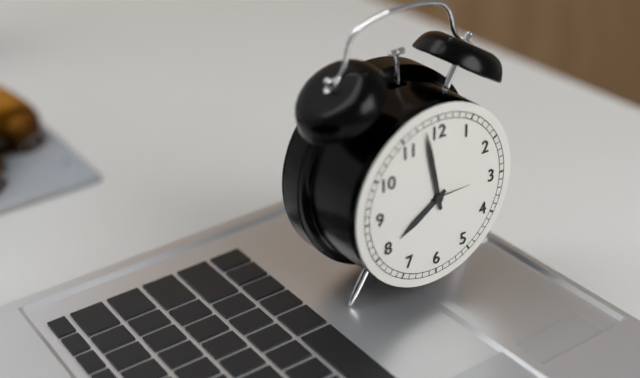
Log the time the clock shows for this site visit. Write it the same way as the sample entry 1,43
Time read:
7,58
